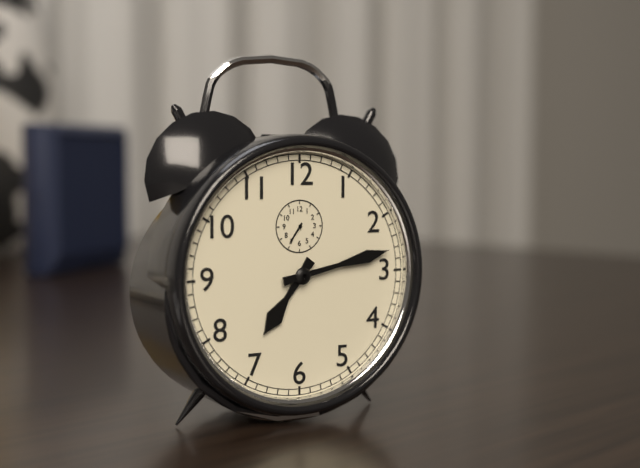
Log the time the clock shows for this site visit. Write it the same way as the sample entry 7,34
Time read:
7,13
